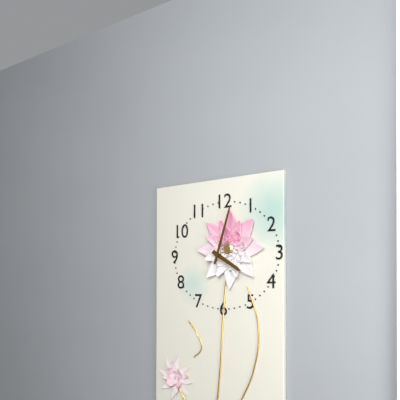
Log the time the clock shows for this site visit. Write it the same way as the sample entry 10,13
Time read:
4,03
